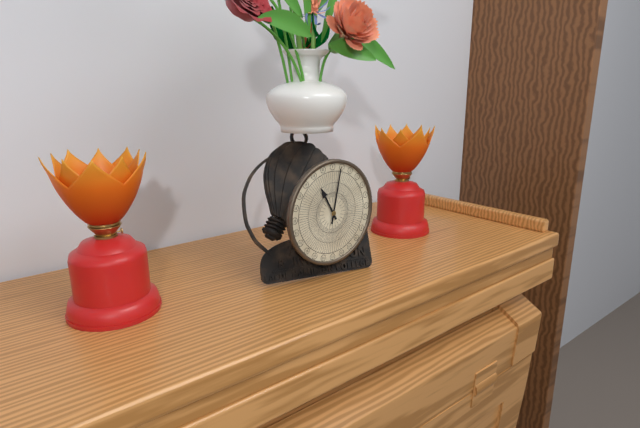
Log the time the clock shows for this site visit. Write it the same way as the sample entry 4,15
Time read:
11,02
